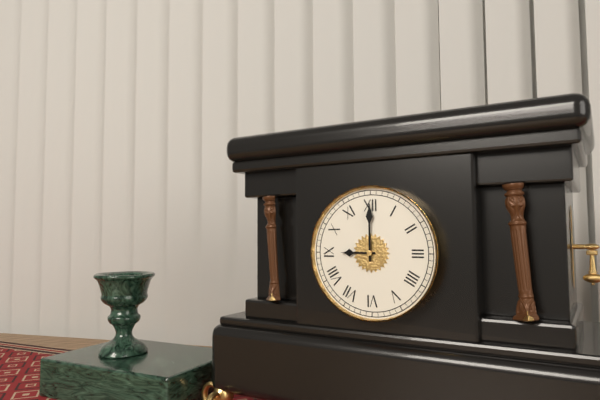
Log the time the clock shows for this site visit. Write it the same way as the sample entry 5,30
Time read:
9,00
